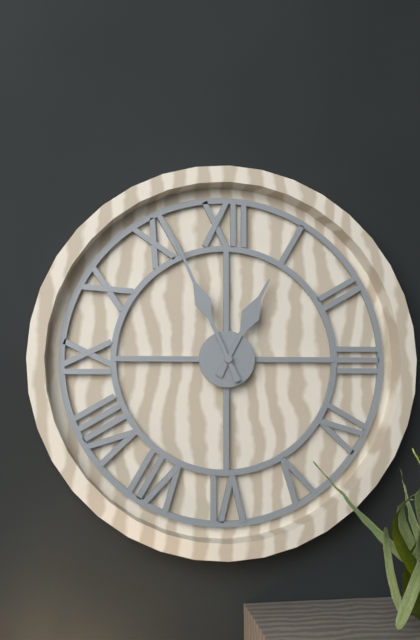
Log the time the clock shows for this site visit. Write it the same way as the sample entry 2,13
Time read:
12,56
